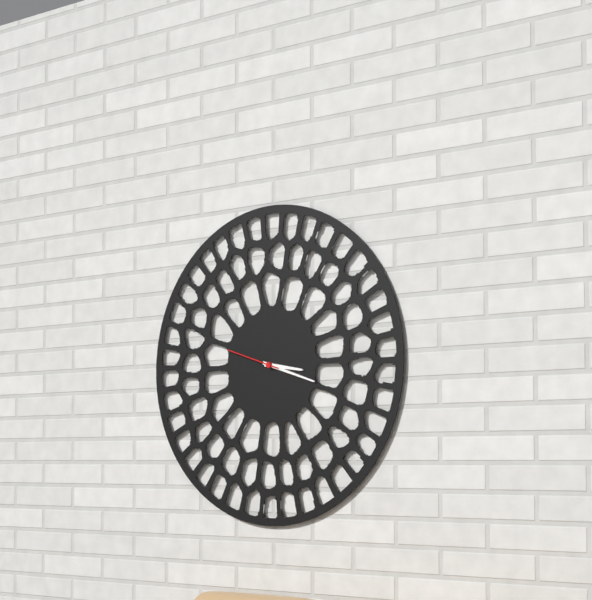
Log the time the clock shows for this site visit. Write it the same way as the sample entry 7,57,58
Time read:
3,18,48
